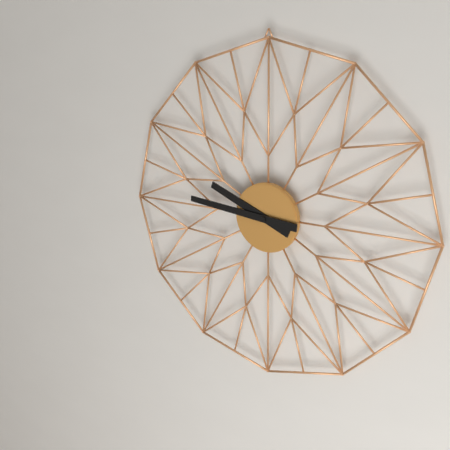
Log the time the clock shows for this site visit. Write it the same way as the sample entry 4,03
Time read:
9,46
